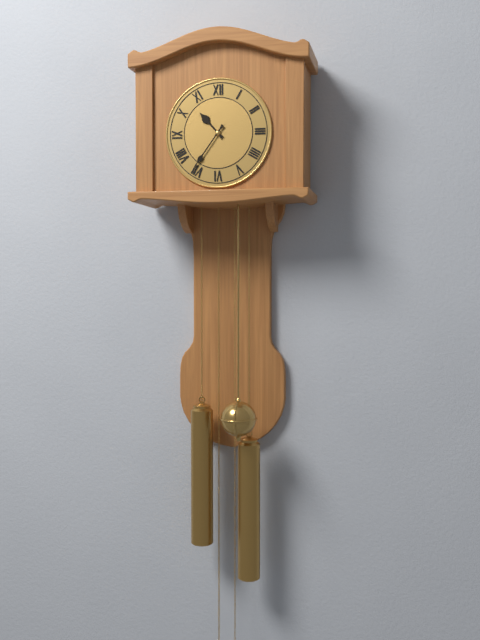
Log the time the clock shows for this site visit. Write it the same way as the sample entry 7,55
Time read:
10,36
